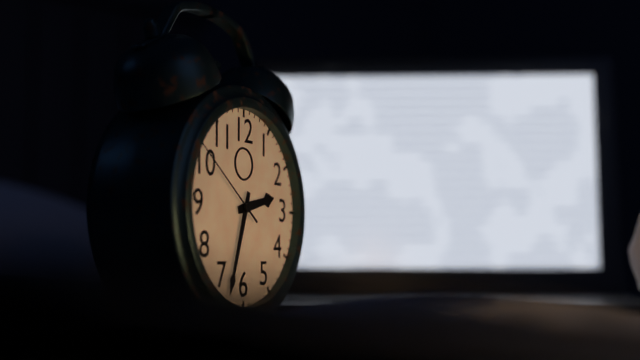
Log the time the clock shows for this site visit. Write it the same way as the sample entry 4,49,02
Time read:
2,33,51
